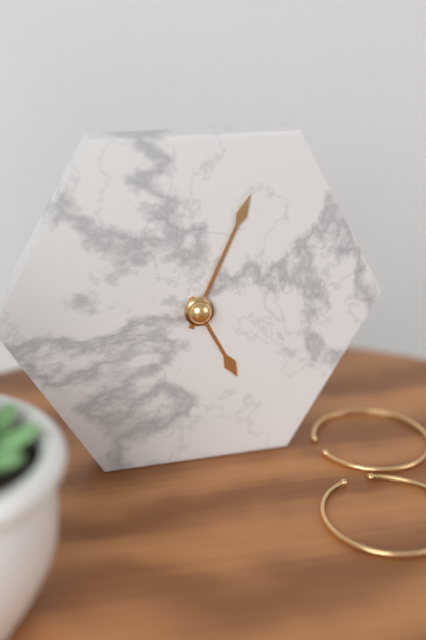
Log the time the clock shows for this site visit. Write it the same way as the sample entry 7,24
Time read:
5,04
